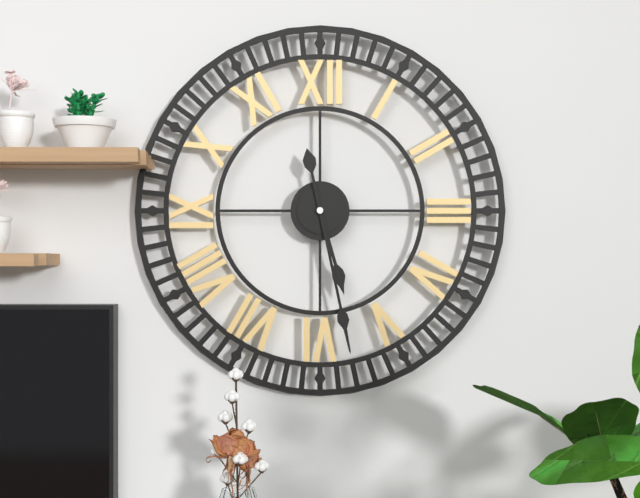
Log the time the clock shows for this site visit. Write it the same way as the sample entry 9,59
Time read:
5,28
